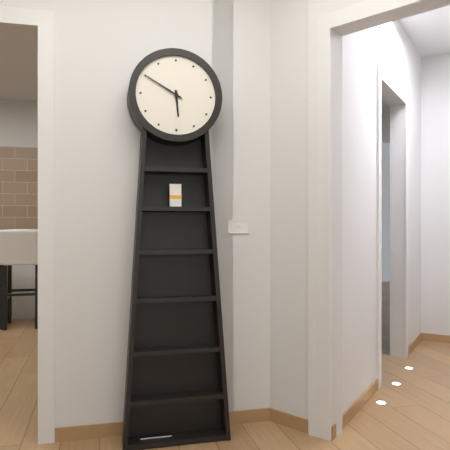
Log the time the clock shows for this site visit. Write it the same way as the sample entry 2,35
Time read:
5,50
